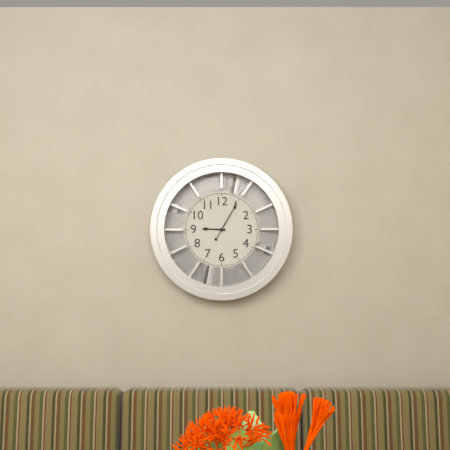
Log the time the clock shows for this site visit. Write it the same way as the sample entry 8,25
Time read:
9,05
